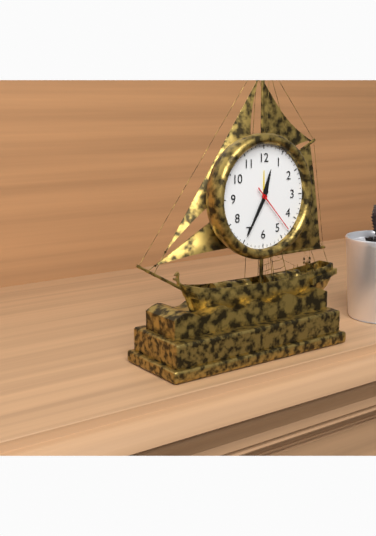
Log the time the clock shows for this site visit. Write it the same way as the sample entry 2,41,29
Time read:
12,35,23
